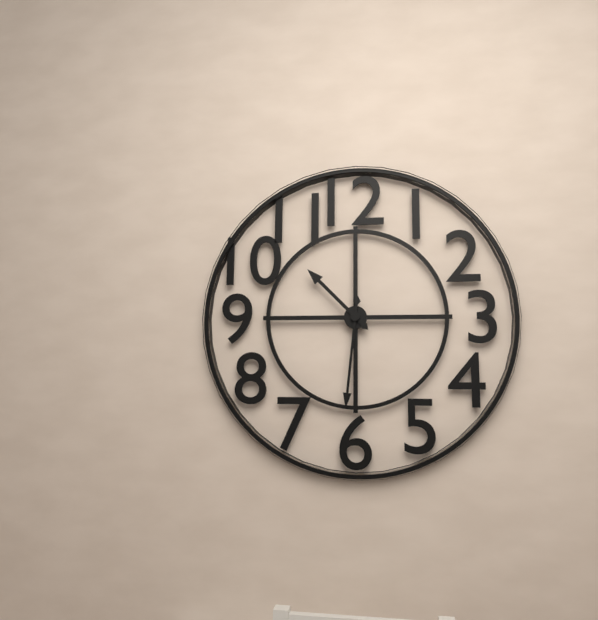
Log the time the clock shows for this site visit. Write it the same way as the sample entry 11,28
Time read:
10,31
